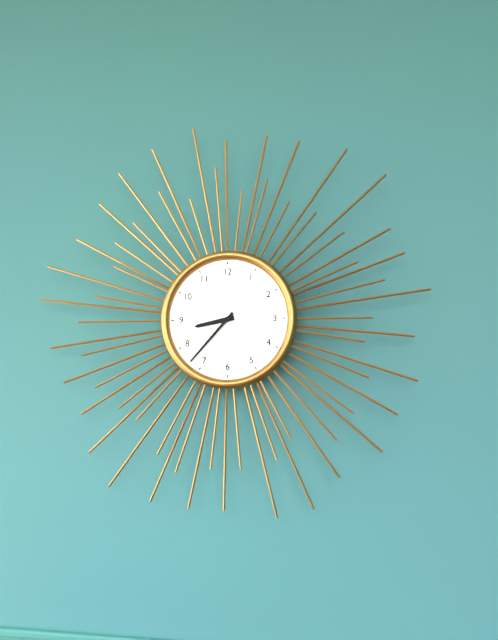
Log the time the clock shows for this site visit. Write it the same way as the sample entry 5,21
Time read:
8,37
